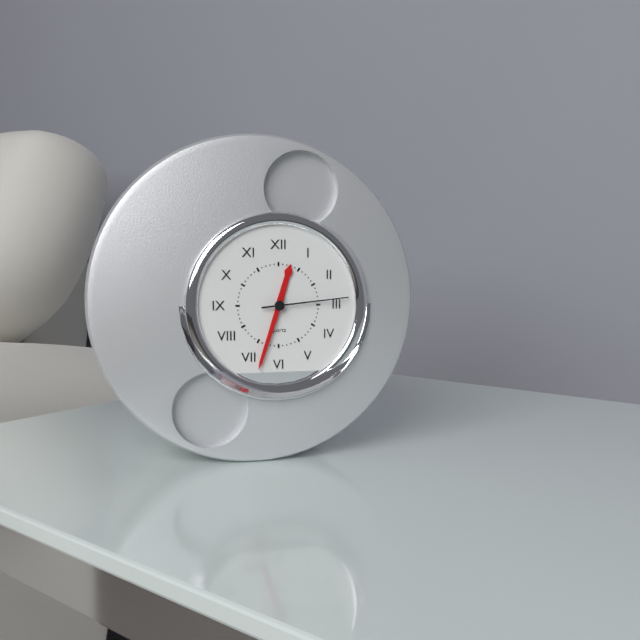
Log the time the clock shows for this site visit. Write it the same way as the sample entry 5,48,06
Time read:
12,33,14
